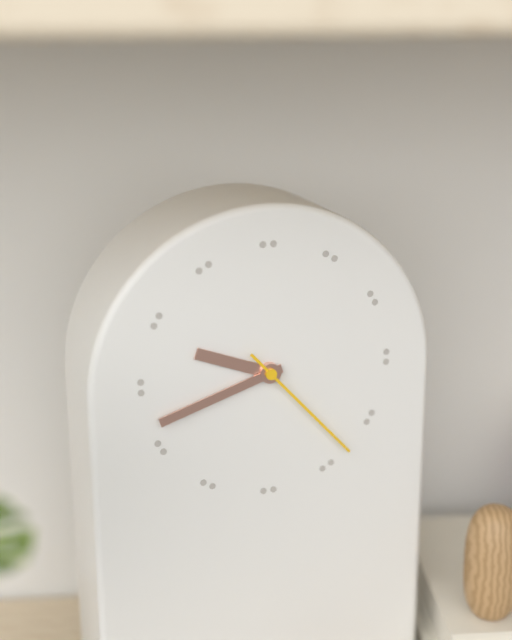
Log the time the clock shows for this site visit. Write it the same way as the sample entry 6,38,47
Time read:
9,42,23
